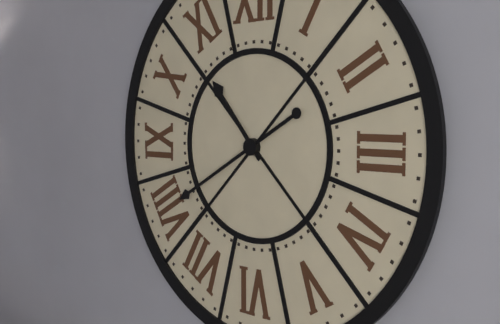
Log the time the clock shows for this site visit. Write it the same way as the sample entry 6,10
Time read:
10,40
